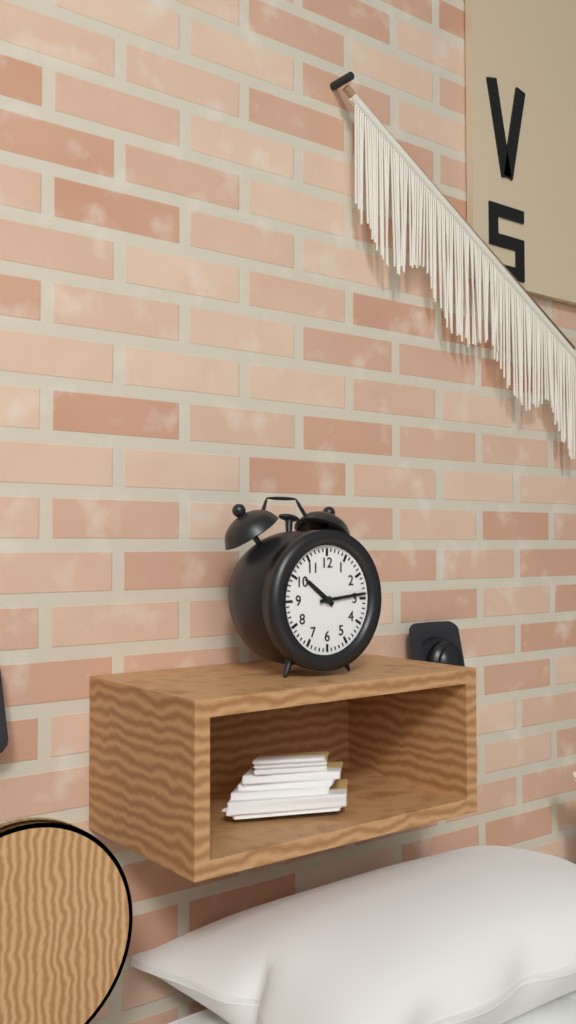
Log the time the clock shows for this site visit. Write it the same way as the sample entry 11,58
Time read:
10,14
